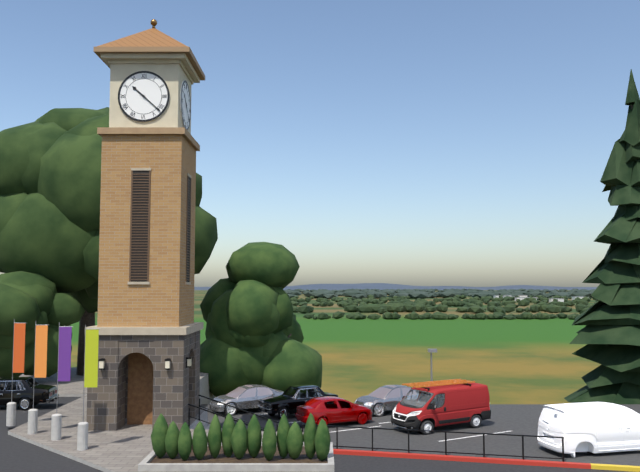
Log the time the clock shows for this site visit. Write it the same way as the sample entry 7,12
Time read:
10,22
